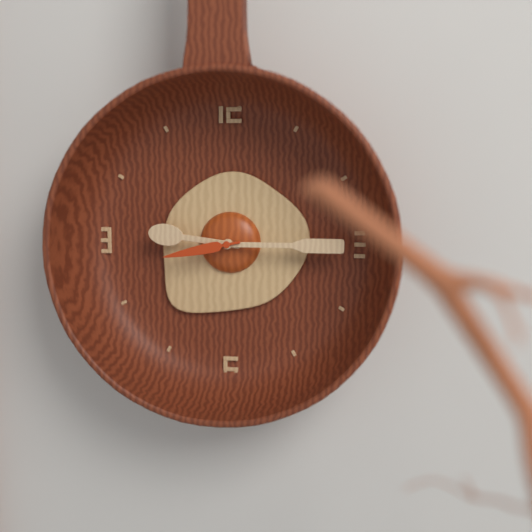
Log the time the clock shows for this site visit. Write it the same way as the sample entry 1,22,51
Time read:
9,15,43
